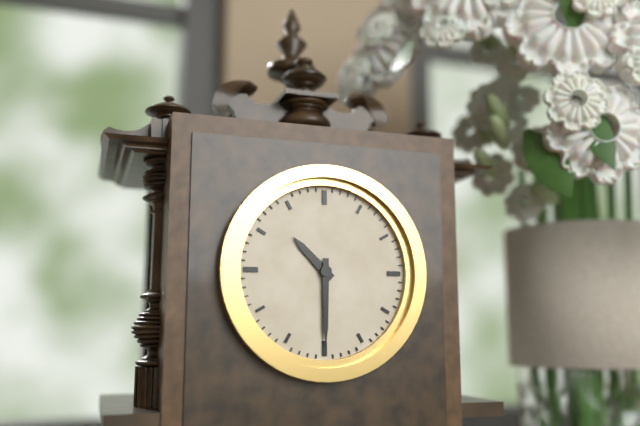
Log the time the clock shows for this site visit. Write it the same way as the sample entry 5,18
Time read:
10,30
